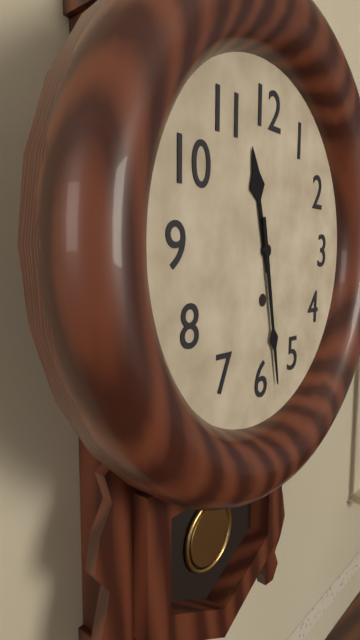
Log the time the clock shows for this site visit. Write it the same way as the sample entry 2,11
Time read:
11,28
